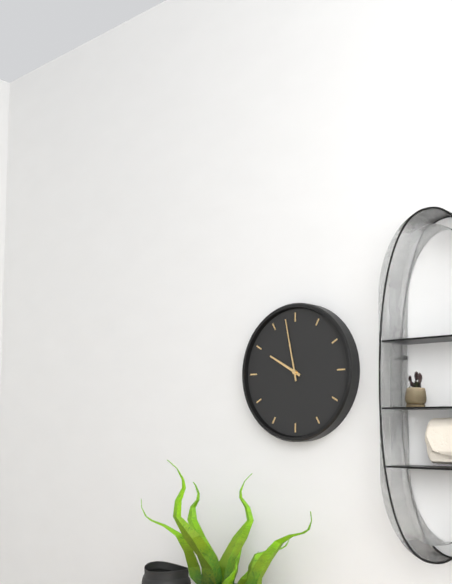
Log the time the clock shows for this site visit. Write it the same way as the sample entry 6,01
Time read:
9,58
